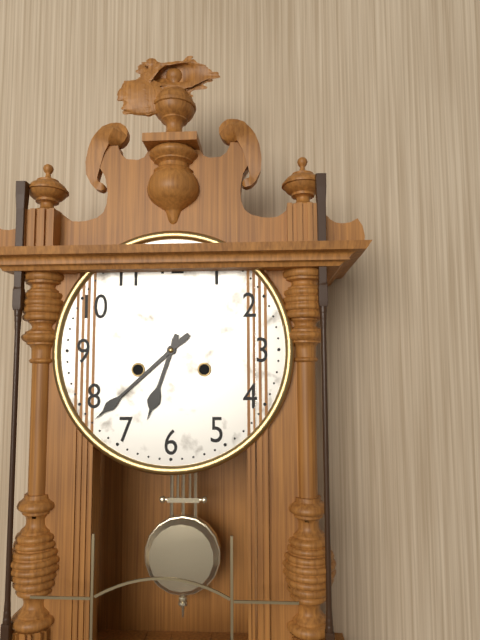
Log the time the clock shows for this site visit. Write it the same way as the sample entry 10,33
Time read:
6,38
